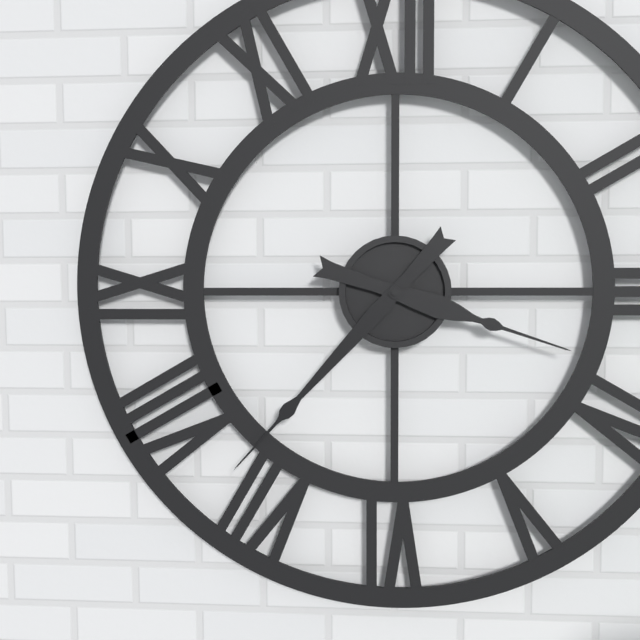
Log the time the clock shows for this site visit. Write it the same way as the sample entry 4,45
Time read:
3,37
